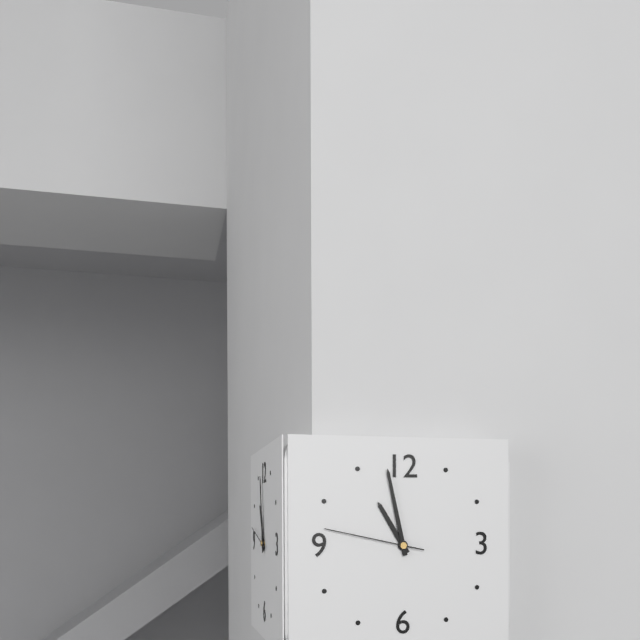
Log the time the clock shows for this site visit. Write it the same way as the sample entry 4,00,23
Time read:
10,58,47
